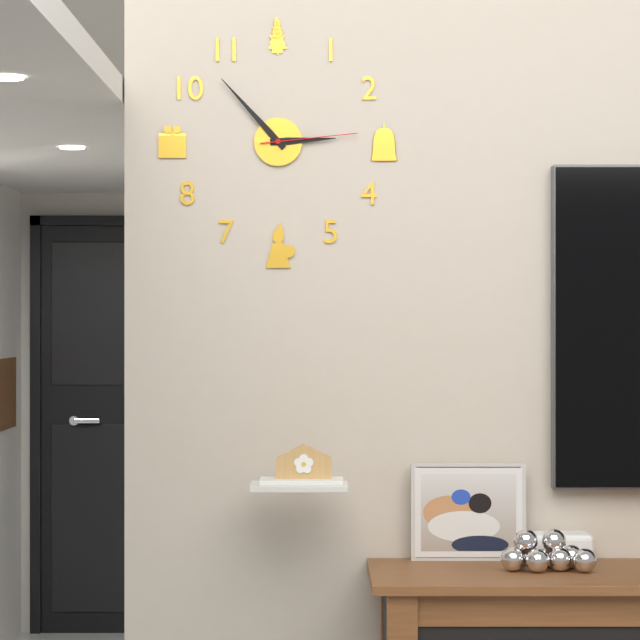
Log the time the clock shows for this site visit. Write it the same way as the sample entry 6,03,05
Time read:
2,53,14
